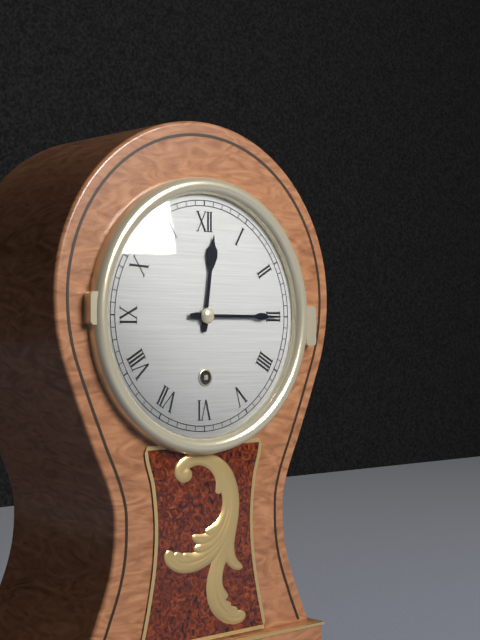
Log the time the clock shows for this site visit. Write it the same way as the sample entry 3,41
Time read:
12,15
